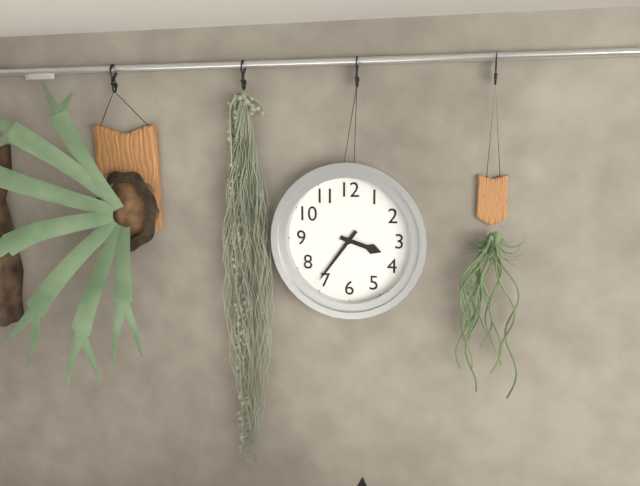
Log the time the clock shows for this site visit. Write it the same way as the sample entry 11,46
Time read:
3,36
